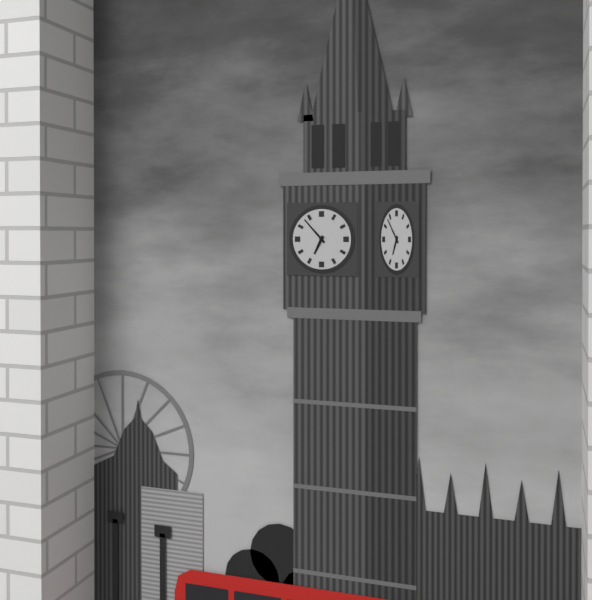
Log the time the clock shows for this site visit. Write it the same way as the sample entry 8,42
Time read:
6,53
